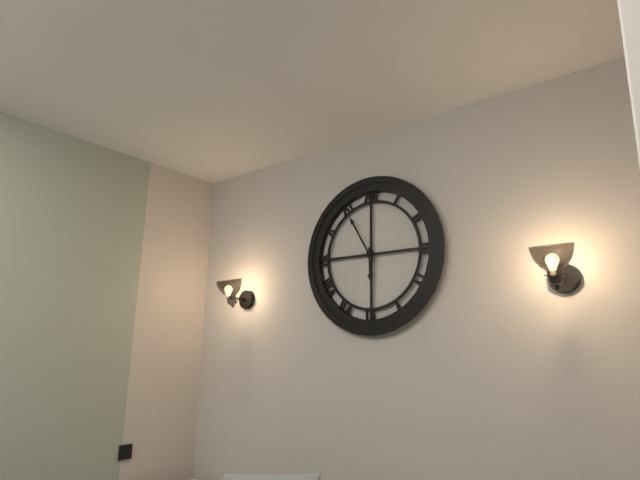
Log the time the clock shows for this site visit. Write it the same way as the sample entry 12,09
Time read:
5,55
